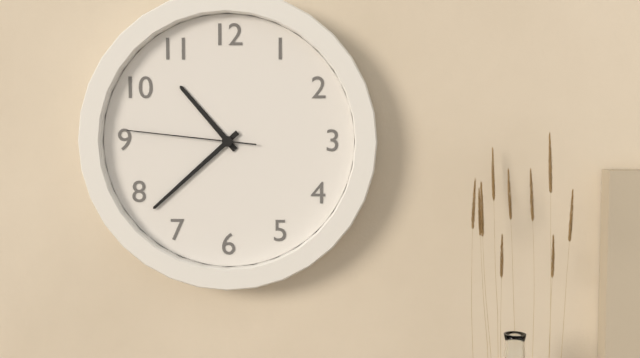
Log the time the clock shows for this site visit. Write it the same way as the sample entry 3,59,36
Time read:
10,38,46
